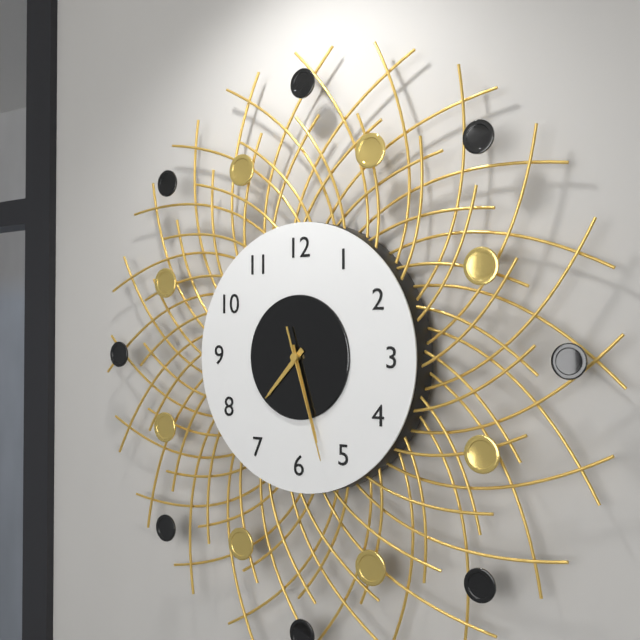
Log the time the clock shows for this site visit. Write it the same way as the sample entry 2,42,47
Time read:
7,27,27
